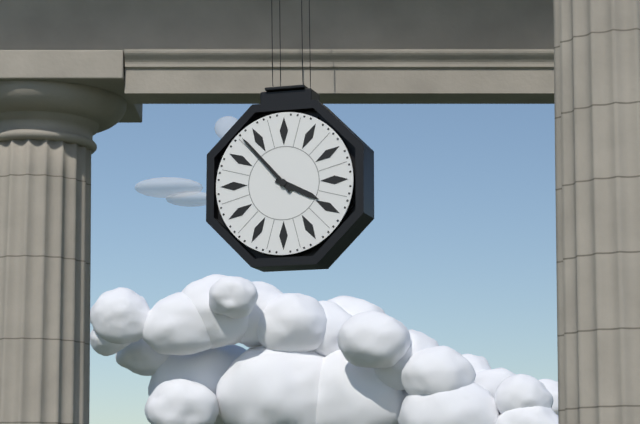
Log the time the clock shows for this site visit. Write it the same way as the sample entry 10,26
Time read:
3,53
